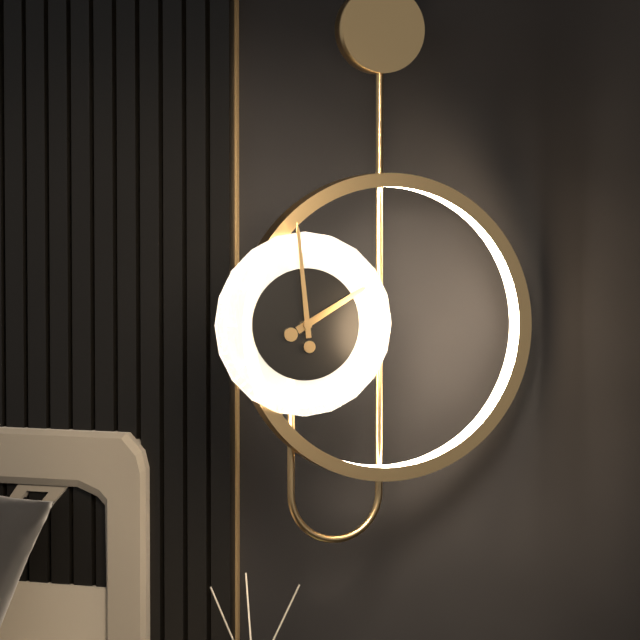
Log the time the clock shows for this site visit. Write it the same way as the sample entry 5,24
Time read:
1,59
